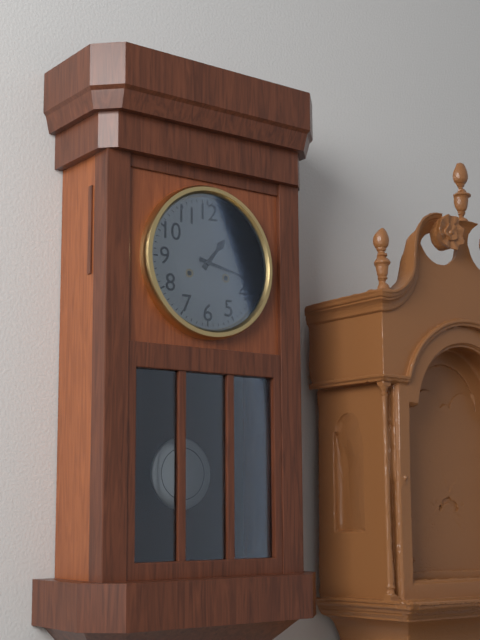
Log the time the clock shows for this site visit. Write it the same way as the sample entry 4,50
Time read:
1,17
